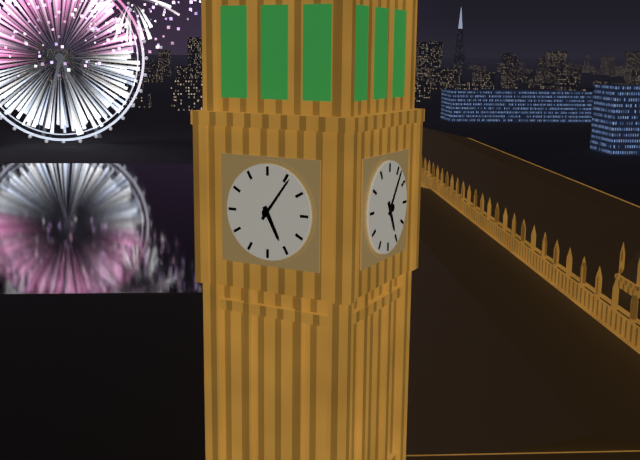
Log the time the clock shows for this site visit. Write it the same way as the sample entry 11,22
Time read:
5,06
